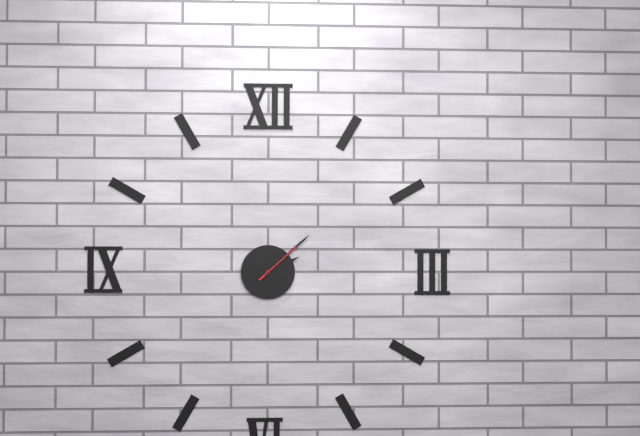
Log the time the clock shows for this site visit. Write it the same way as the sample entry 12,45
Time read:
2,08
